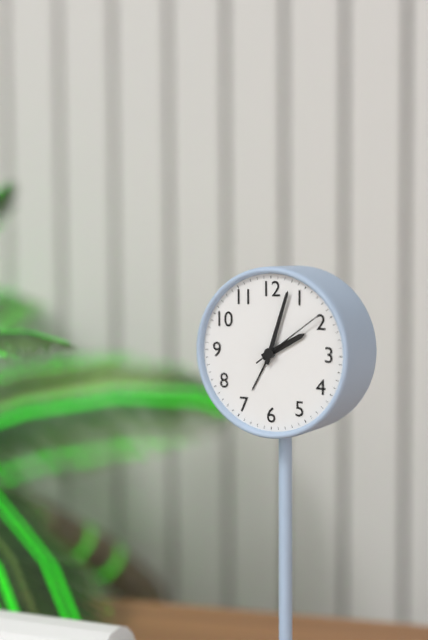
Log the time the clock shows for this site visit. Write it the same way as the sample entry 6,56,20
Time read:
2,03,09
